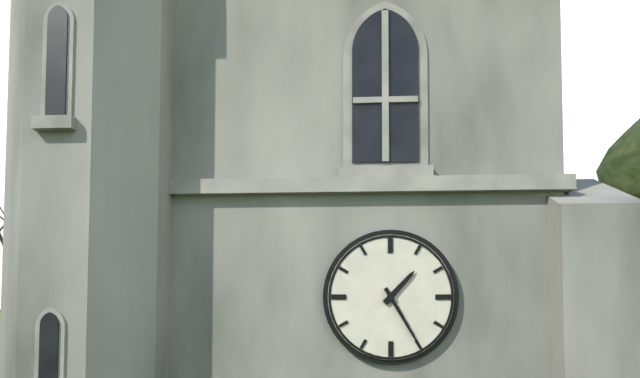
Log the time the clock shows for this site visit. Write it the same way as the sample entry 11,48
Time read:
1,25
